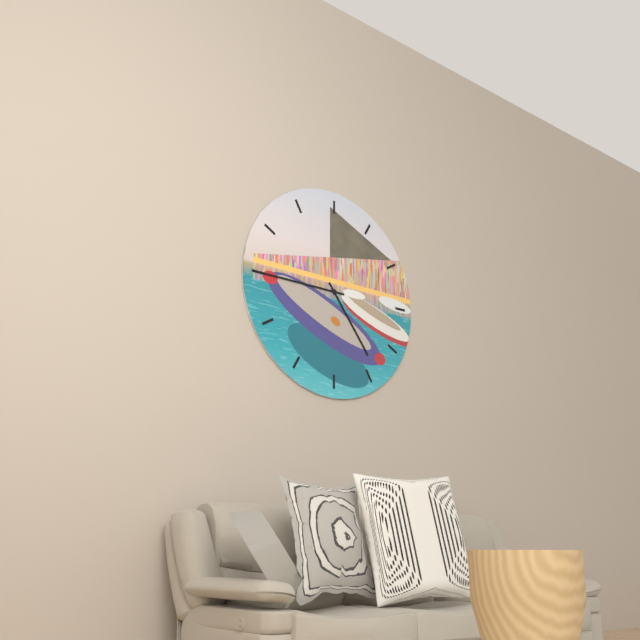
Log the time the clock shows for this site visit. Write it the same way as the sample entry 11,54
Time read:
4,45
